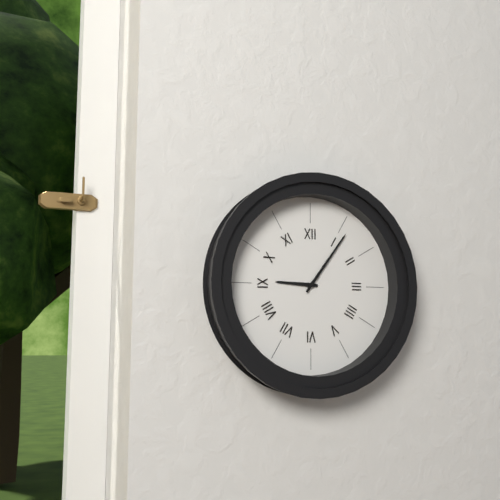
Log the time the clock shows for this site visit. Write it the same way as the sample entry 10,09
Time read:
9,06
